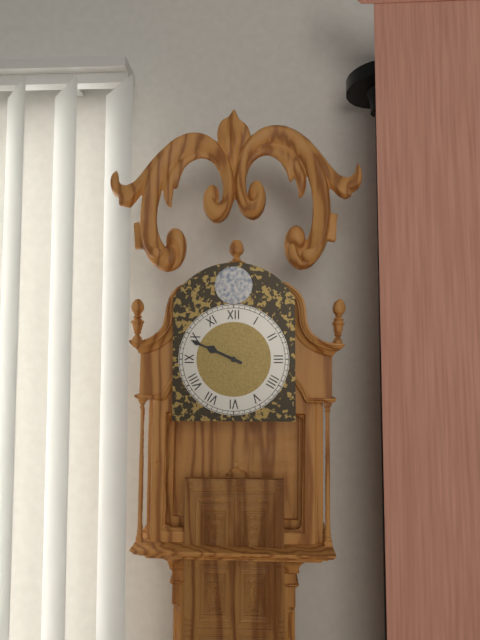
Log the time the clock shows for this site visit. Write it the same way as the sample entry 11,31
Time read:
9,49
